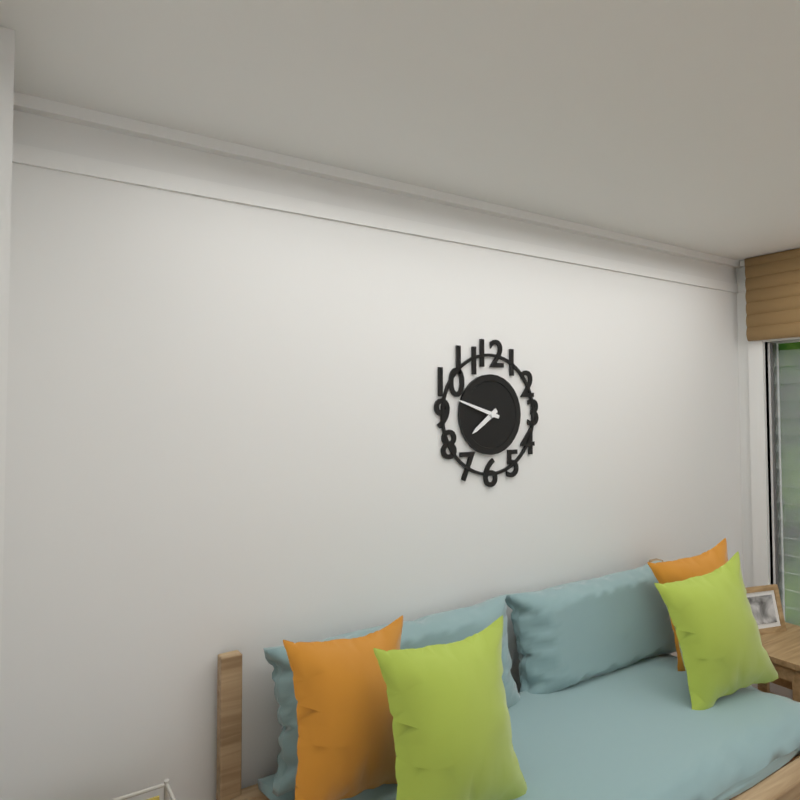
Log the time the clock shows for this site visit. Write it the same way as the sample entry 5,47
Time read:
7,48
